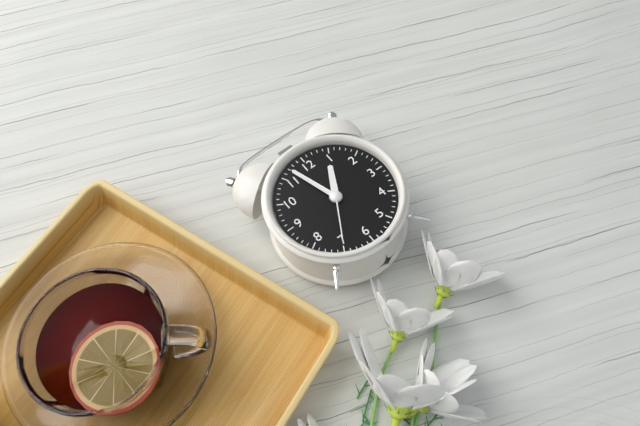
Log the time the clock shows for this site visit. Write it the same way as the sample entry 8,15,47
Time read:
12,57,35
